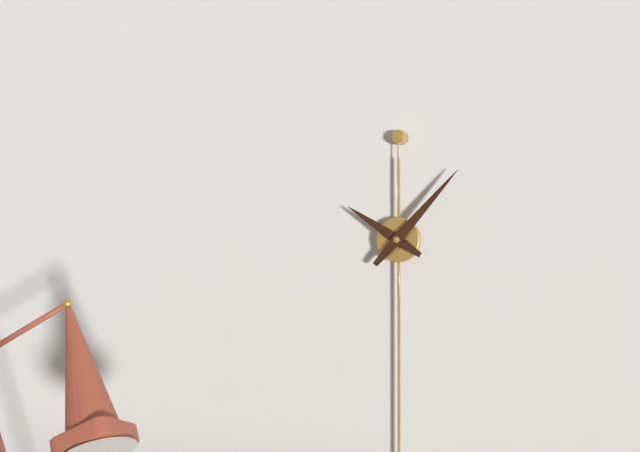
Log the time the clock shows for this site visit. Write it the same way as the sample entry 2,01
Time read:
10,07
